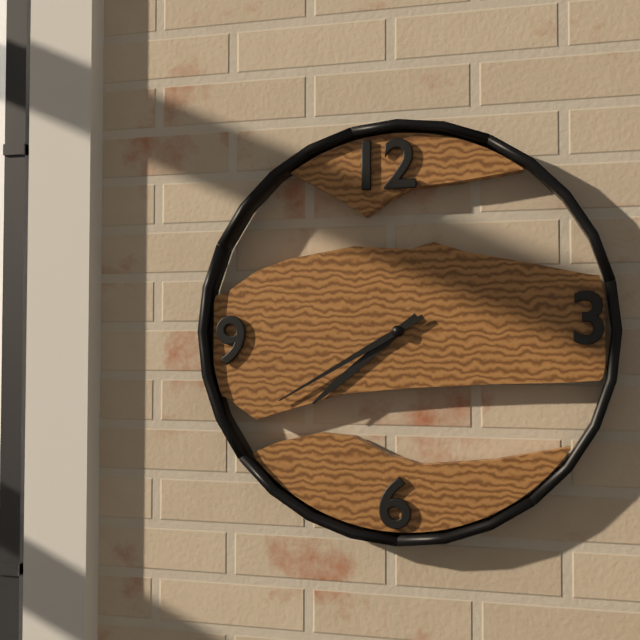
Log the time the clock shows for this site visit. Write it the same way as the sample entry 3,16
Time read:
7,40
